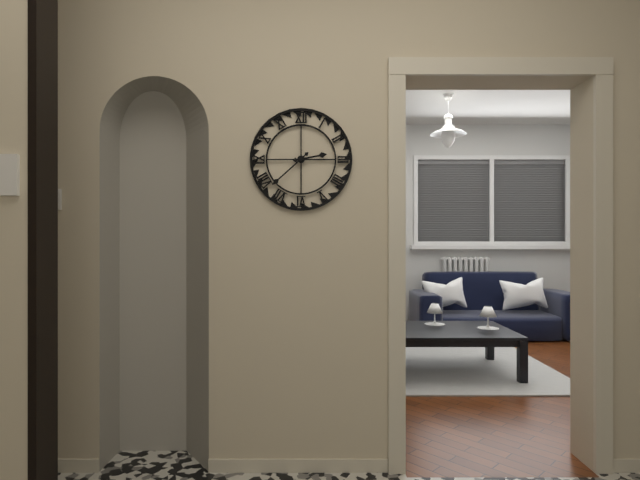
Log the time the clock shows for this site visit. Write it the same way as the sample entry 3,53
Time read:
2,38
